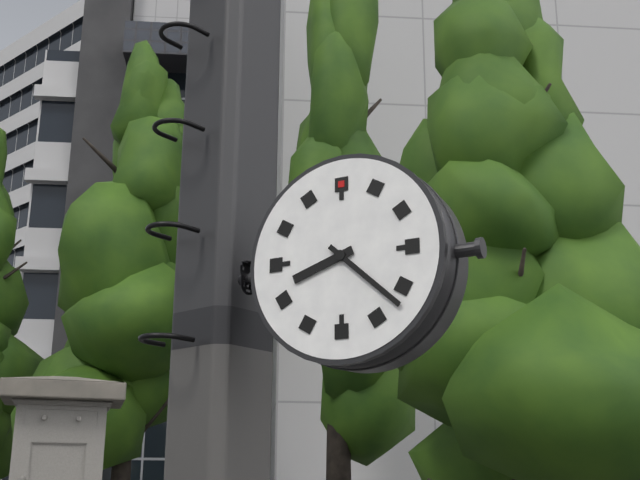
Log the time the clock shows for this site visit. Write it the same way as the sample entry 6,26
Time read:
8,22
